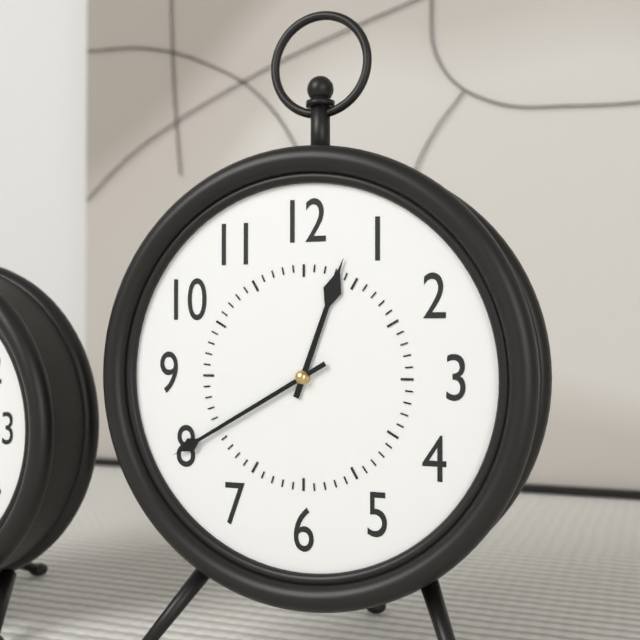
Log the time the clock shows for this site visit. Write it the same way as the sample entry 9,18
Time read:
12,40
